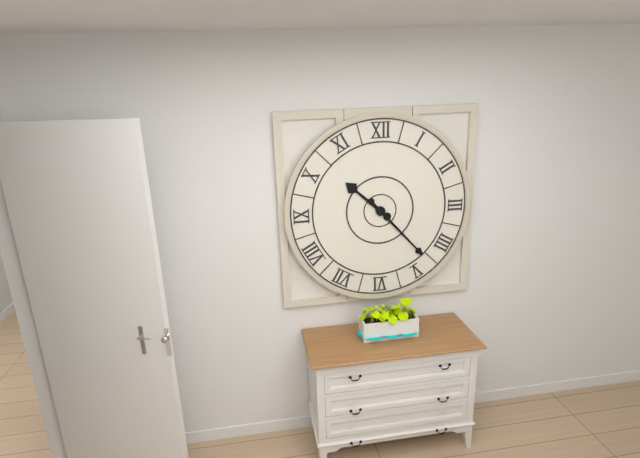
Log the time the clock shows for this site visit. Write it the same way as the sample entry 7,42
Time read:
10,23
